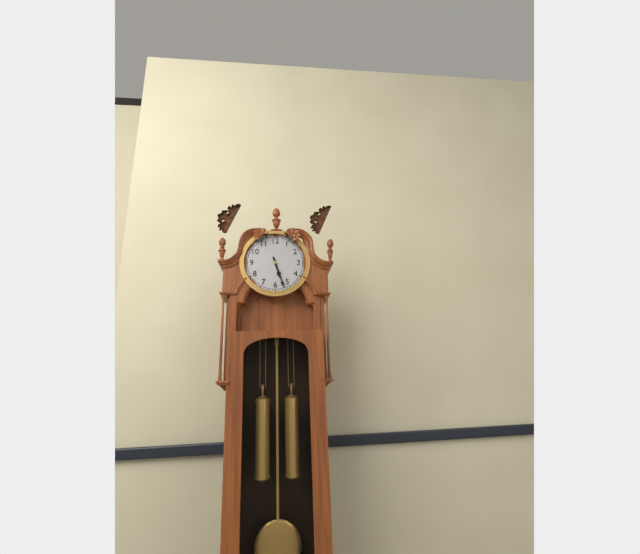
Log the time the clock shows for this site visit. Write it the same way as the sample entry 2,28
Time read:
5,27
